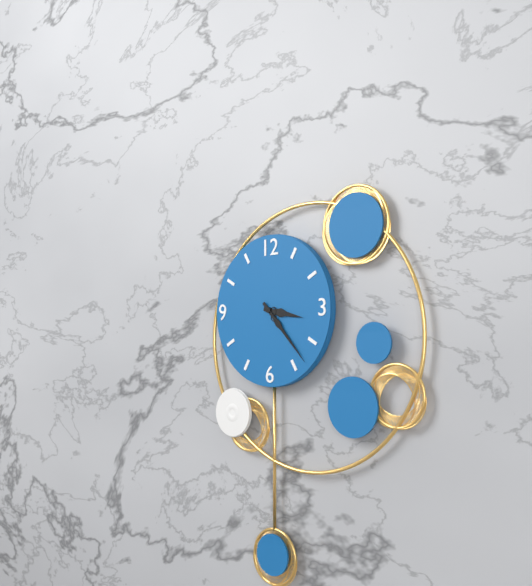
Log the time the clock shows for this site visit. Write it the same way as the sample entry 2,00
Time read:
3,23
